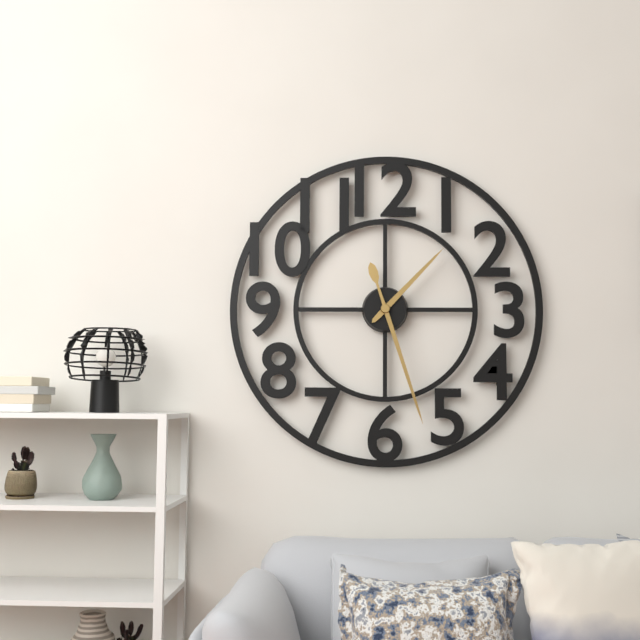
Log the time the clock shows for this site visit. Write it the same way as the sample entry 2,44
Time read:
1,27
